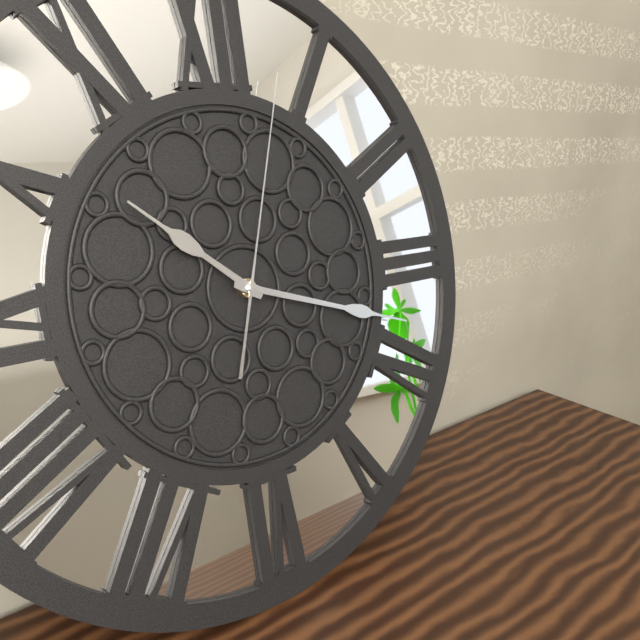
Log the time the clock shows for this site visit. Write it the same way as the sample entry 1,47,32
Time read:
10,18,03
